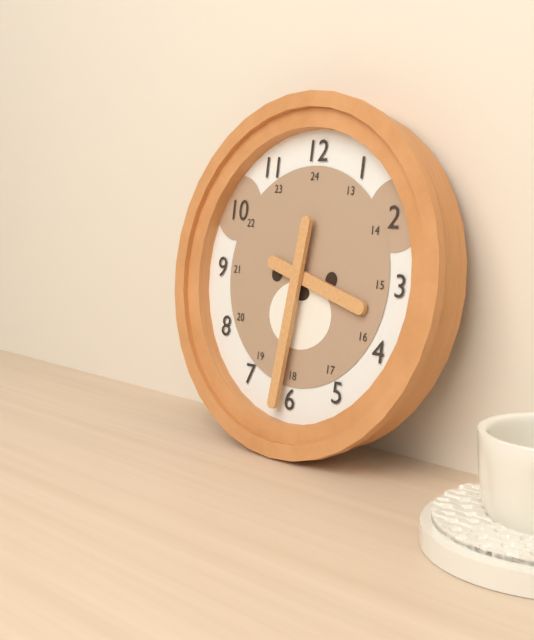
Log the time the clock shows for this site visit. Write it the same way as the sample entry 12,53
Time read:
3,31
